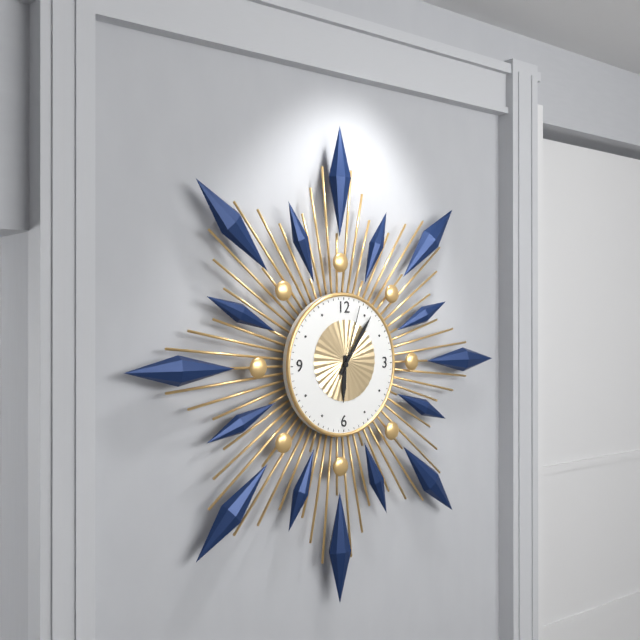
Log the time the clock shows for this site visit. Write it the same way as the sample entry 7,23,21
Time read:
6,06,03
